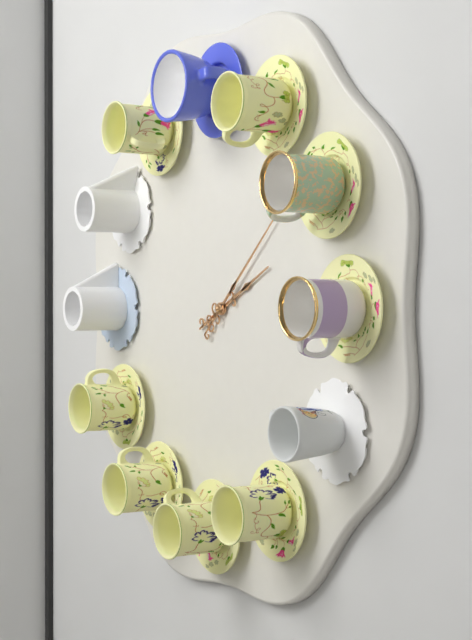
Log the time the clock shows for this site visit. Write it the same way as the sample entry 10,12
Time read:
2,08
